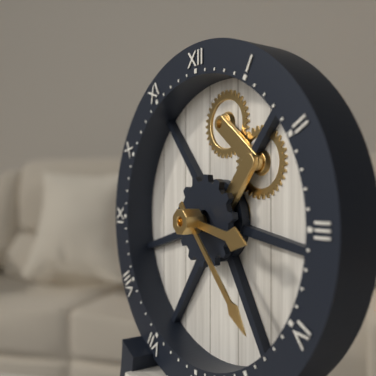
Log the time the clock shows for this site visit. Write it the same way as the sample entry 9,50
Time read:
3,23
